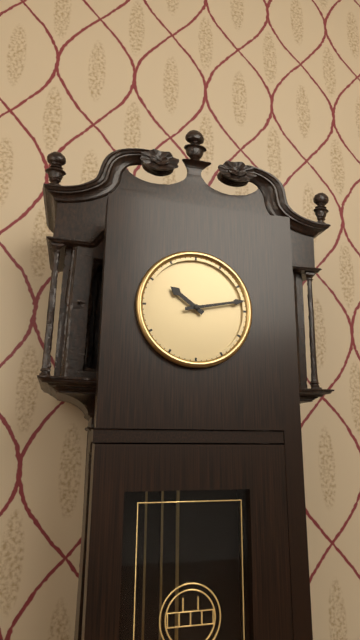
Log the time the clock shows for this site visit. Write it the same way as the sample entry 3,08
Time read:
10,13
